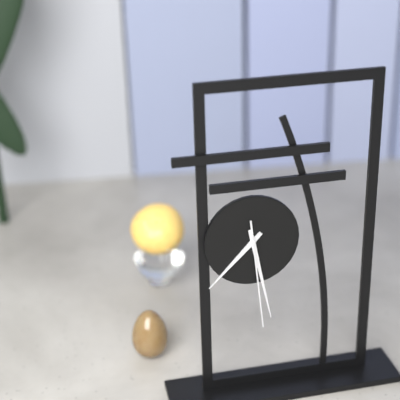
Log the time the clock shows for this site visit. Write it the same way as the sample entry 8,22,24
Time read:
7,28,29
